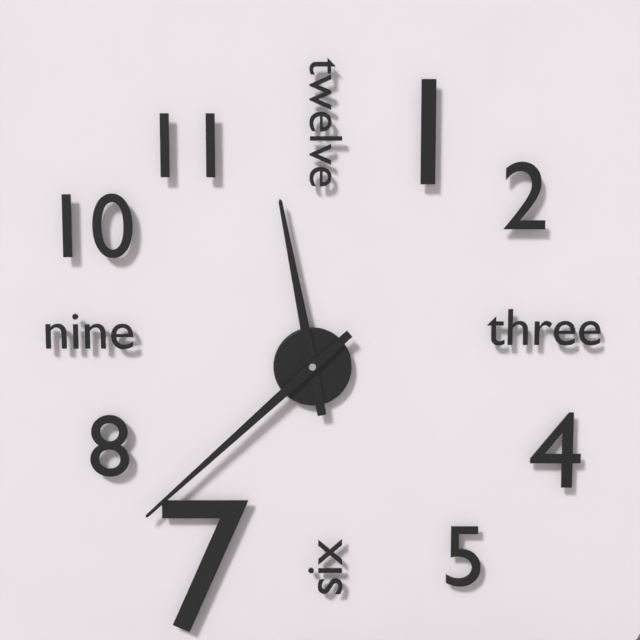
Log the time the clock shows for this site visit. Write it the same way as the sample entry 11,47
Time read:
11,38
